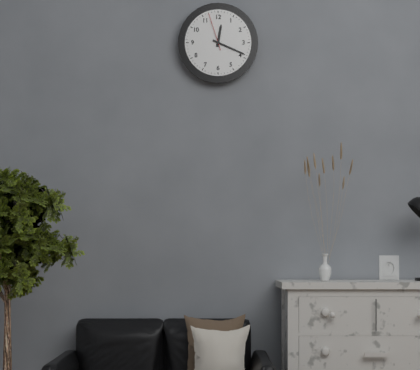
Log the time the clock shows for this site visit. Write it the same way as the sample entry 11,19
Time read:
12,19
